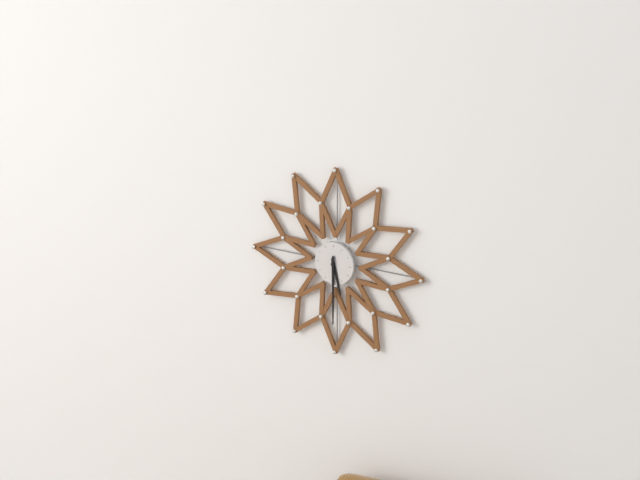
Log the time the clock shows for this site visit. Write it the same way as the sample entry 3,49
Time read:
5,30
